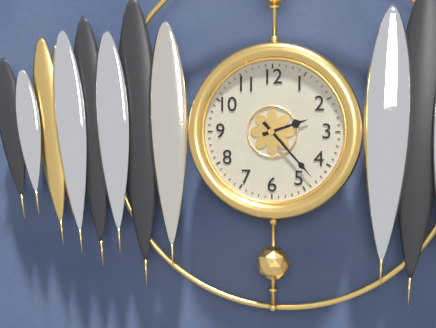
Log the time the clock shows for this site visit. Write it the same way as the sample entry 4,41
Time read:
2,23
